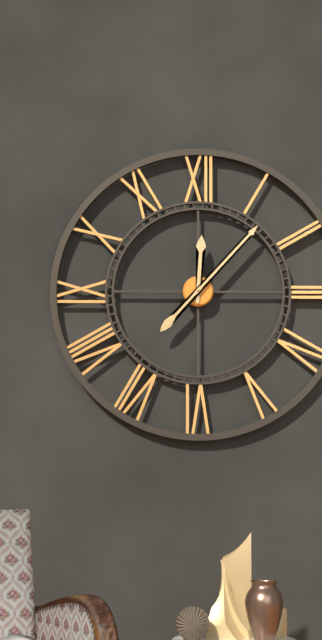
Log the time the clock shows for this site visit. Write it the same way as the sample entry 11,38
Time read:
12,07
